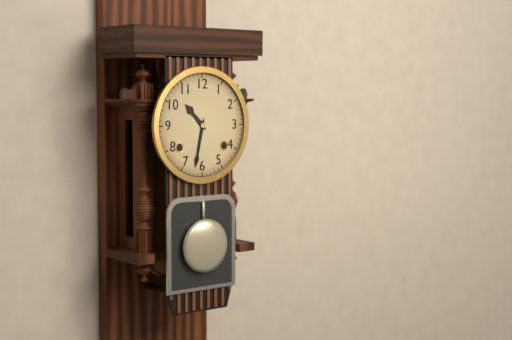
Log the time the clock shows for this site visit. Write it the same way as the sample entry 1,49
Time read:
10,32
